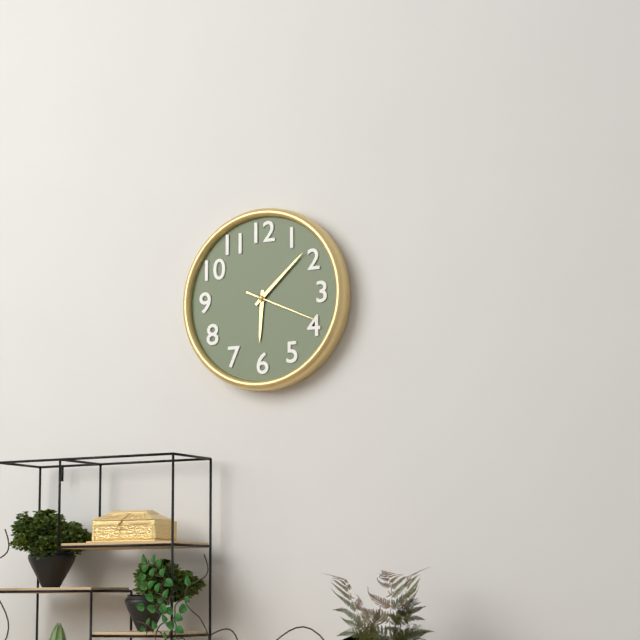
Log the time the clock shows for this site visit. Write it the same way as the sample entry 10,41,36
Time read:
6,08,19
